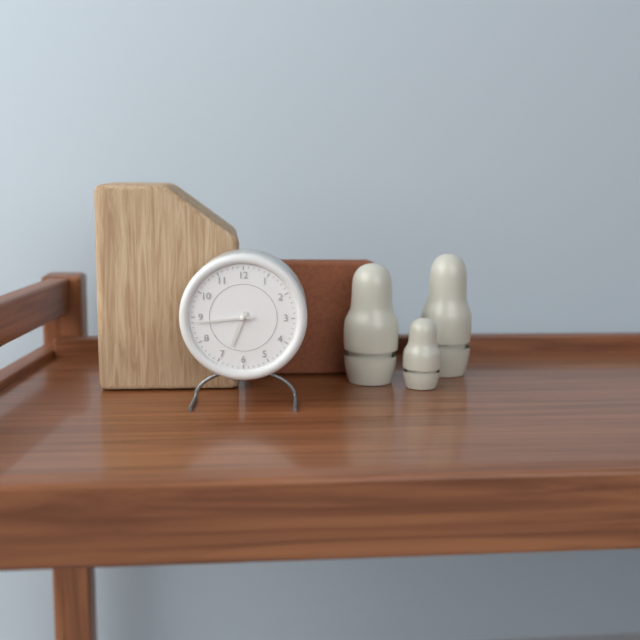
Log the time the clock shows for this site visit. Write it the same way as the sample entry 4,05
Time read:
6,44
